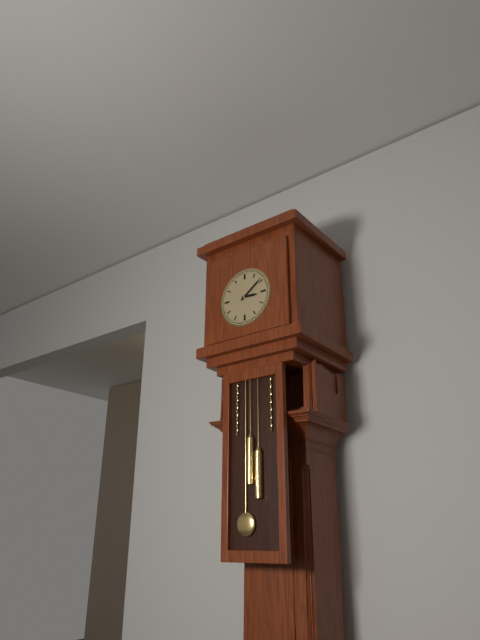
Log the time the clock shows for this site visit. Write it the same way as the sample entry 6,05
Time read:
3,09
